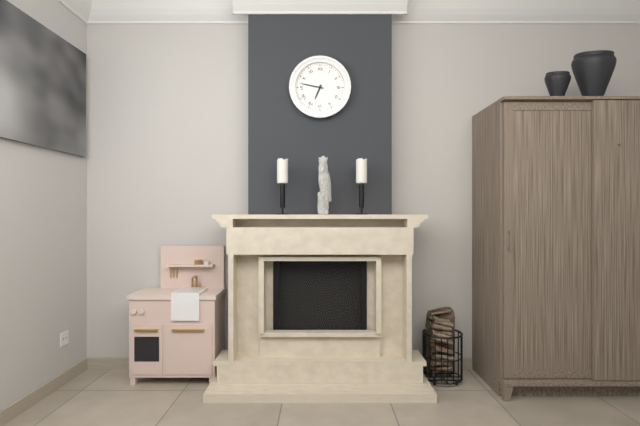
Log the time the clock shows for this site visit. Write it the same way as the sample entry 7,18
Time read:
6,47
